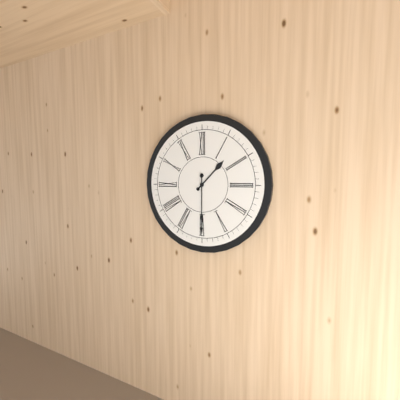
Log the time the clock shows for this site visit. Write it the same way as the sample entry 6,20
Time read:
1,30
